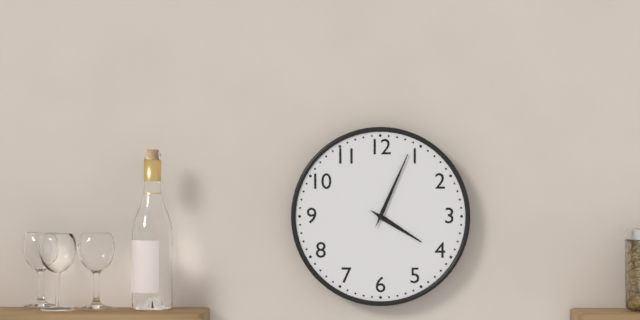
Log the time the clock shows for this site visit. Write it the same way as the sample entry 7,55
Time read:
4,04
